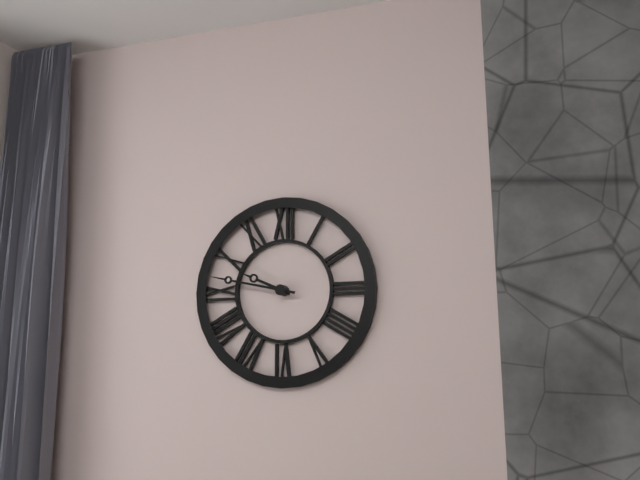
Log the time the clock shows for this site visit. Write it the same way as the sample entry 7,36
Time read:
9,47
